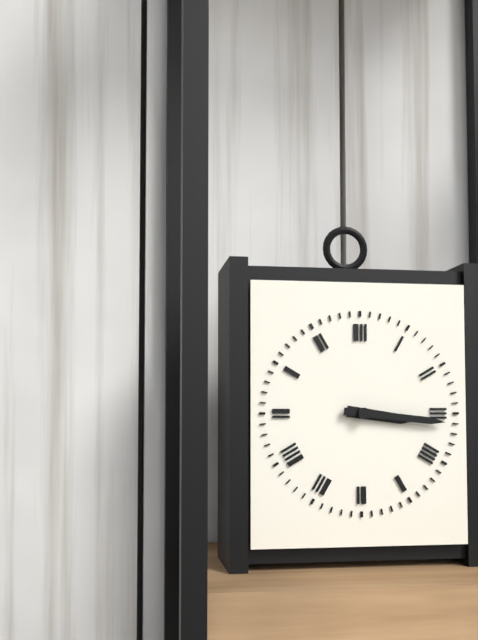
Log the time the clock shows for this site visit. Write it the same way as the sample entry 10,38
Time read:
3,16
